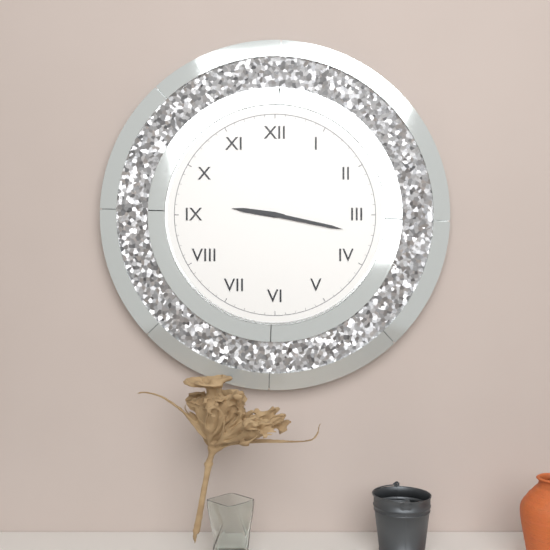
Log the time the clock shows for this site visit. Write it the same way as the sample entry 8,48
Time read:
9,17
